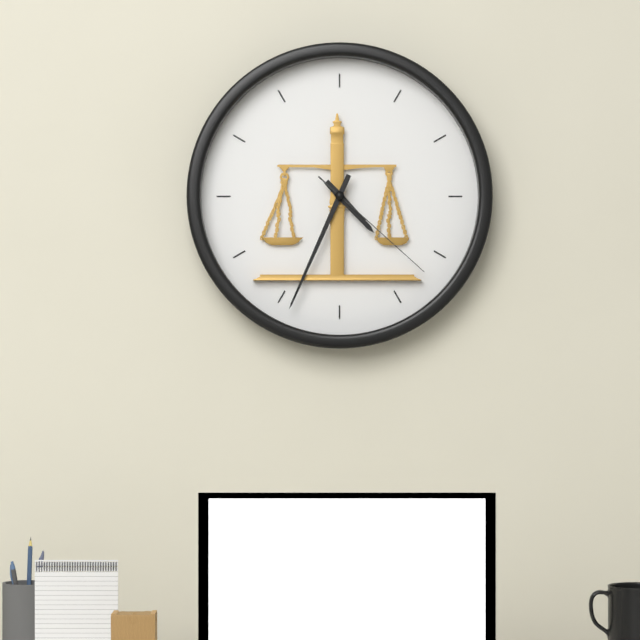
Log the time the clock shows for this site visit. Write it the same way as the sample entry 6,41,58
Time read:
4,34,22
